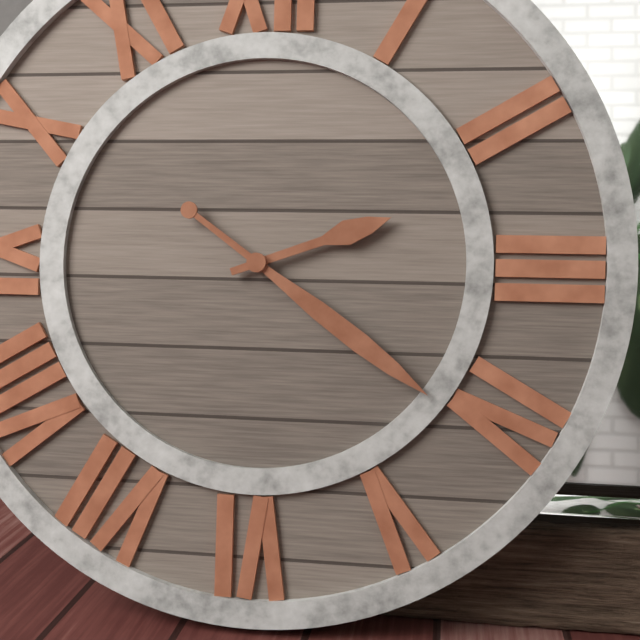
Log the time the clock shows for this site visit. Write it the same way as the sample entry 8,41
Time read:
2,21
